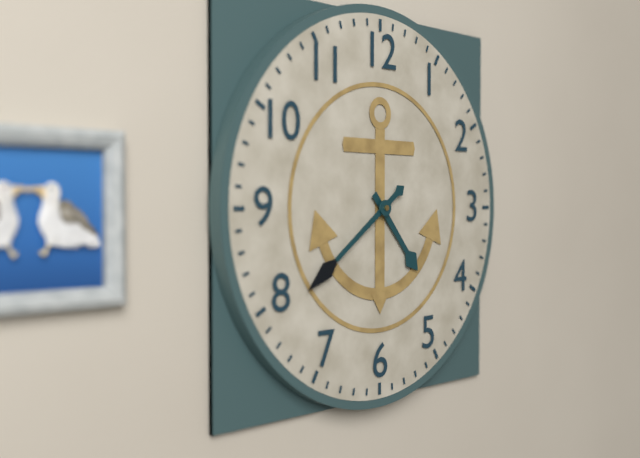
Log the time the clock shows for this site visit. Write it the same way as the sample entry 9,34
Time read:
4,39
